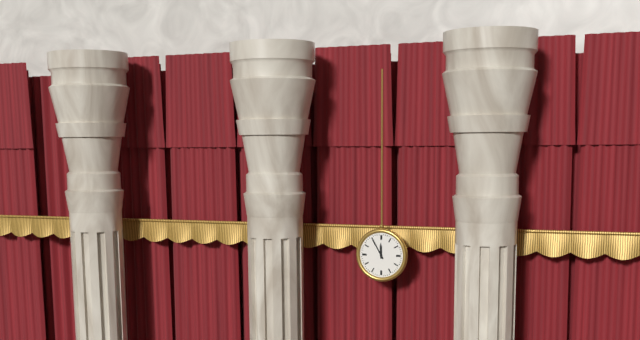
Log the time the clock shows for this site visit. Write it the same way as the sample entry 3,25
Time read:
11,55
